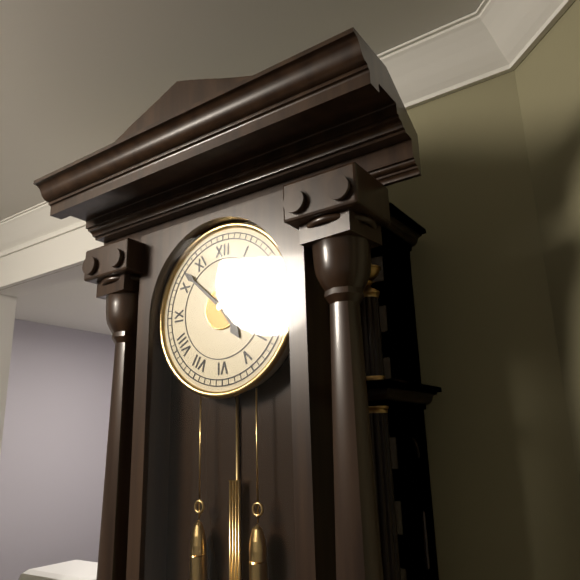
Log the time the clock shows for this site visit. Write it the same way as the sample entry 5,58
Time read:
4,52
